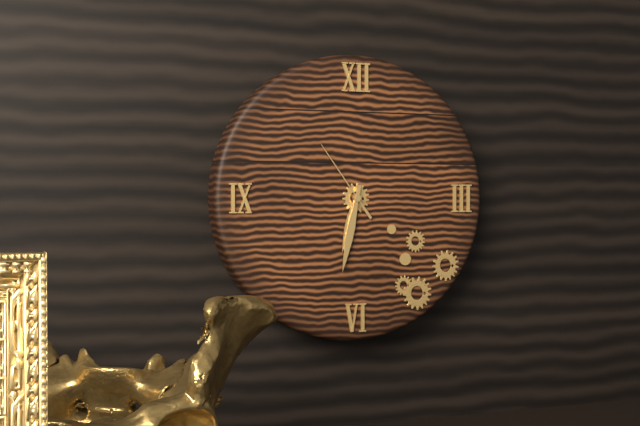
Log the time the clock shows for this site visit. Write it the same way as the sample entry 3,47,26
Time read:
6,32,54
